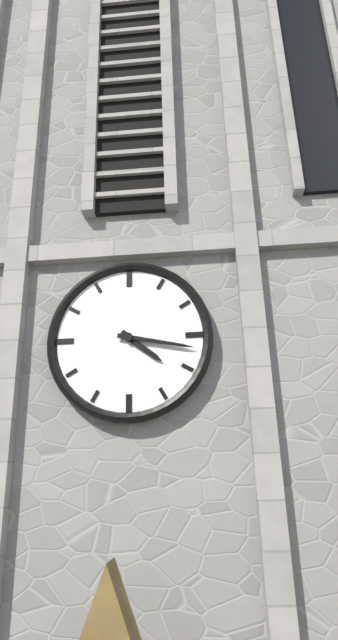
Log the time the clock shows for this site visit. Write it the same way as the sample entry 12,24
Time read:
4,17
